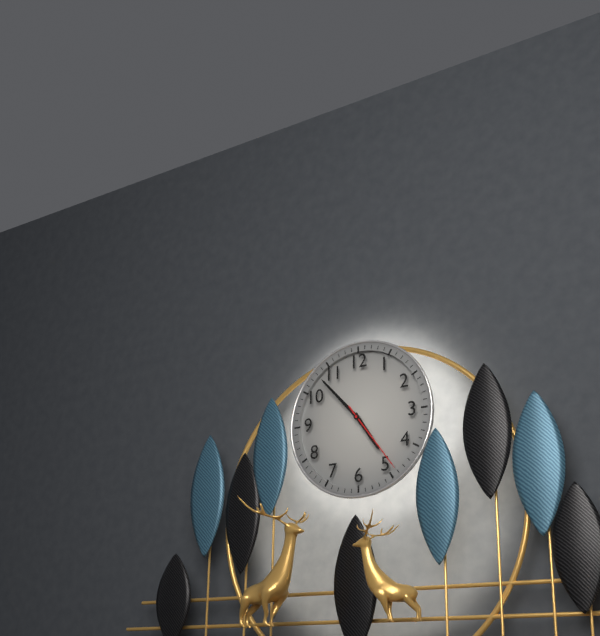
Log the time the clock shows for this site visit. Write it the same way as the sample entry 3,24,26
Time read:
4,53,24
